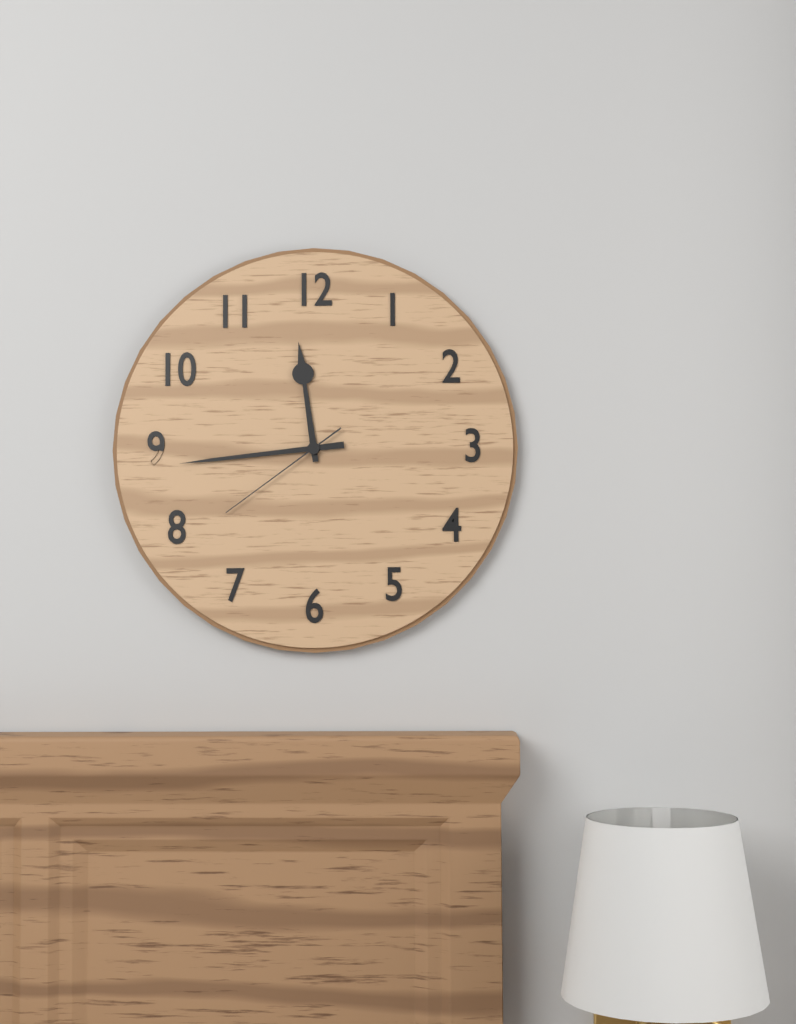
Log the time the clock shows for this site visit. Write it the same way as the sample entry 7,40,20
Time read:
11,44,39
